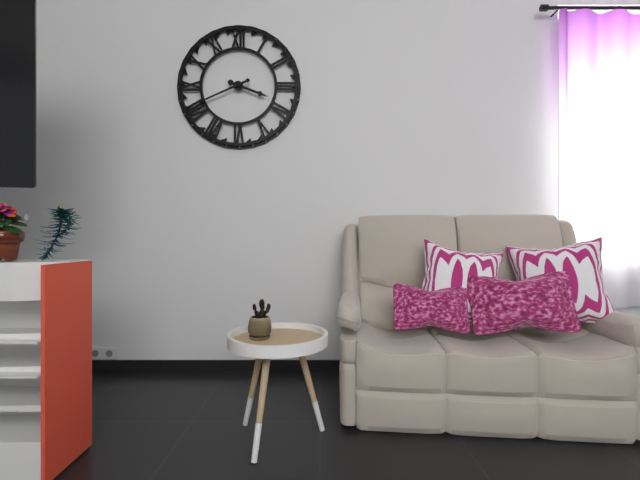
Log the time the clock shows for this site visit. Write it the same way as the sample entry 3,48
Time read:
3,41
